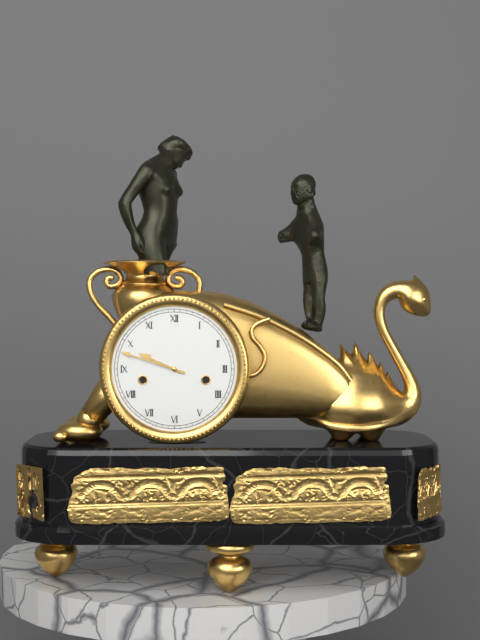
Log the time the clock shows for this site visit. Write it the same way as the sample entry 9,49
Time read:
9,48
